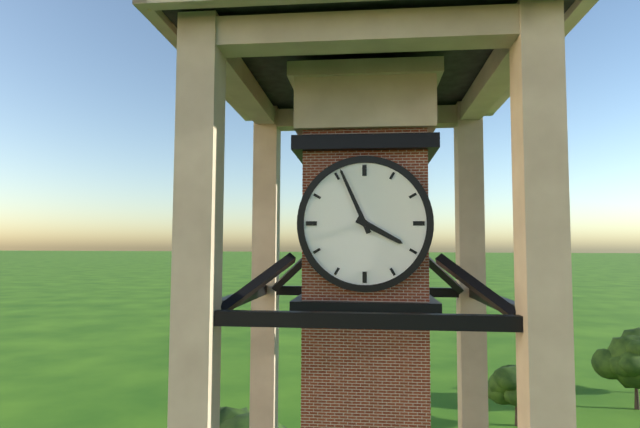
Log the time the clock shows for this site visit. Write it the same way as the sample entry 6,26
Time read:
3,56
